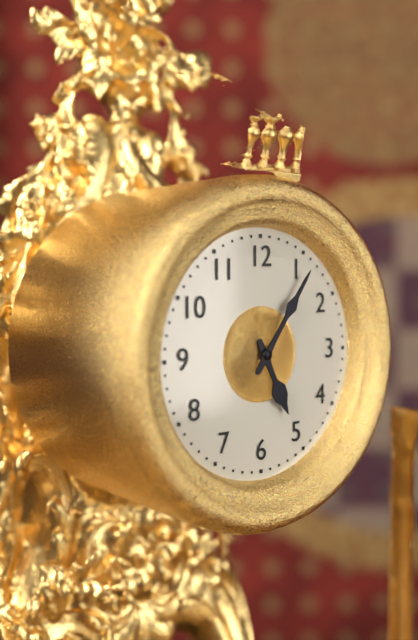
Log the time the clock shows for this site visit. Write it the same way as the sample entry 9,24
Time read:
5,06
